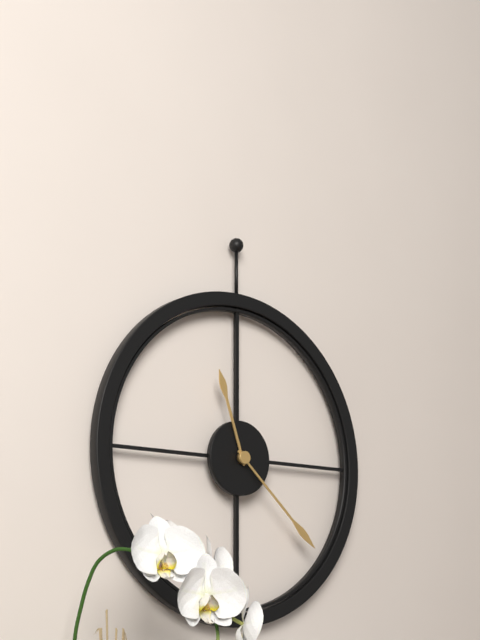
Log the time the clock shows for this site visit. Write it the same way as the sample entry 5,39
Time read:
11,22
